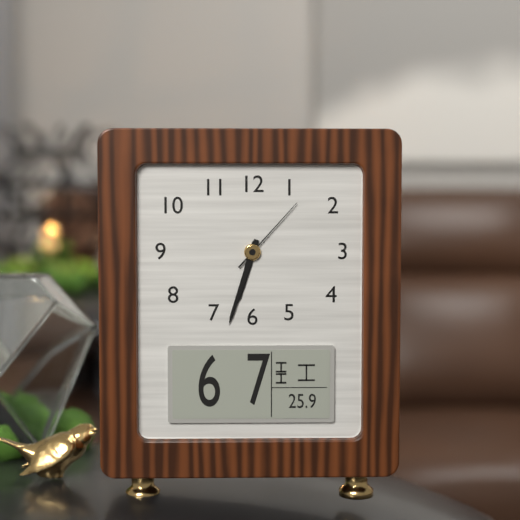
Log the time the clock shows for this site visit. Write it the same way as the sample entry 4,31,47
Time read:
6,33,07
